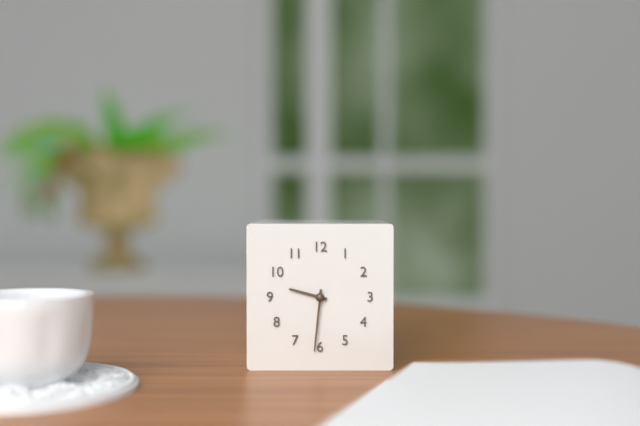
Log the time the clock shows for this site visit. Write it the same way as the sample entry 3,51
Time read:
9,31
